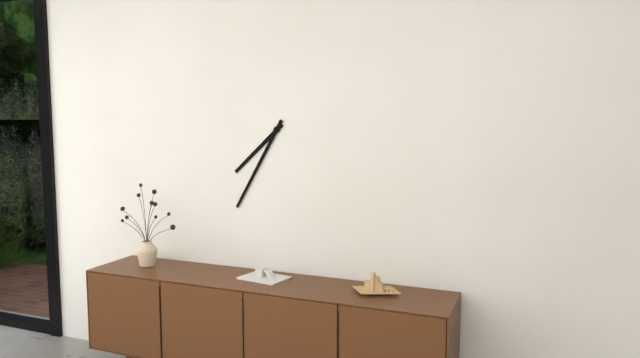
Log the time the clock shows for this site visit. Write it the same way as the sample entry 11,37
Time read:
7,35
